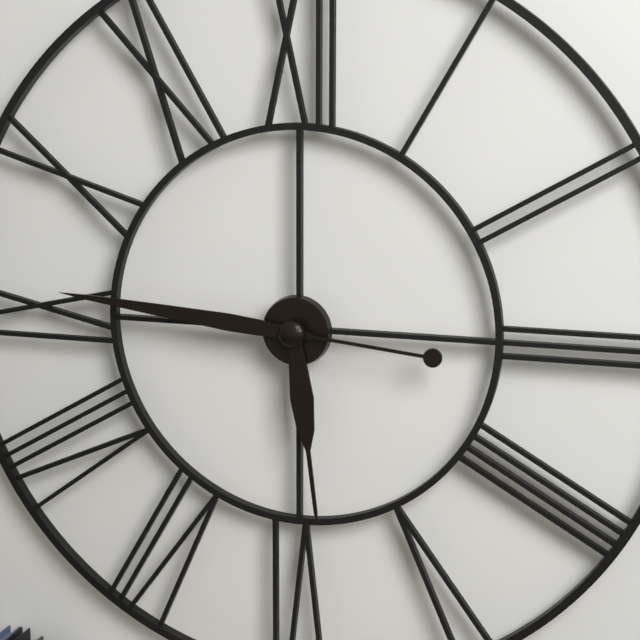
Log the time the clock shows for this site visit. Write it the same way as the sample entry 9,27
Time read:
5,46
